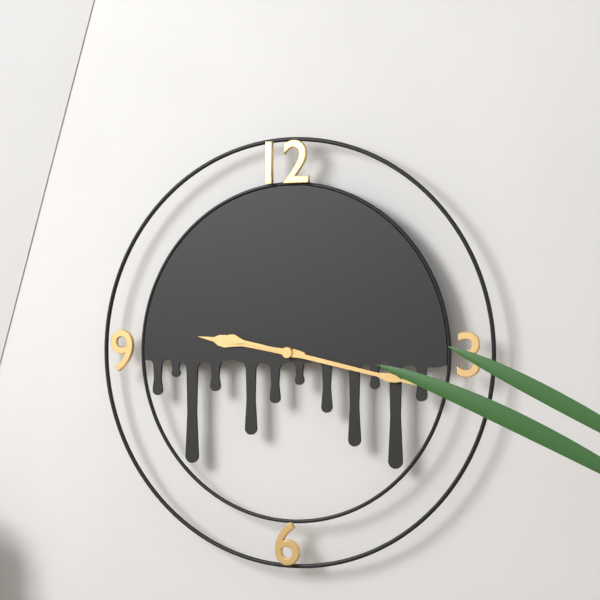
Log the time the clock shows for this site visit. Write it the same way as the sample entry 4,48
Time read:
9,17
